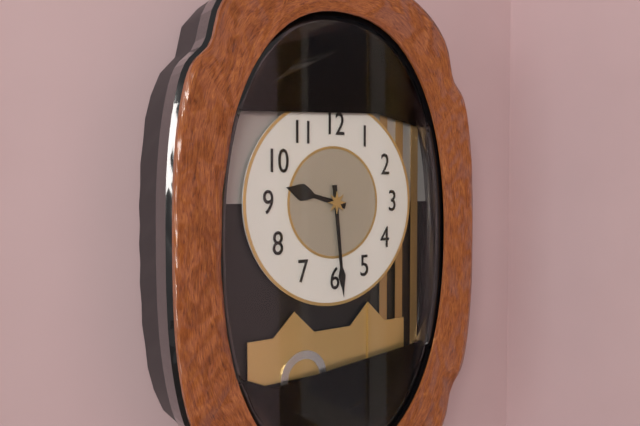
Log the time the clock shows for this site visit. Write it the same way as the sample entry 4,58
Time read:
9,29
